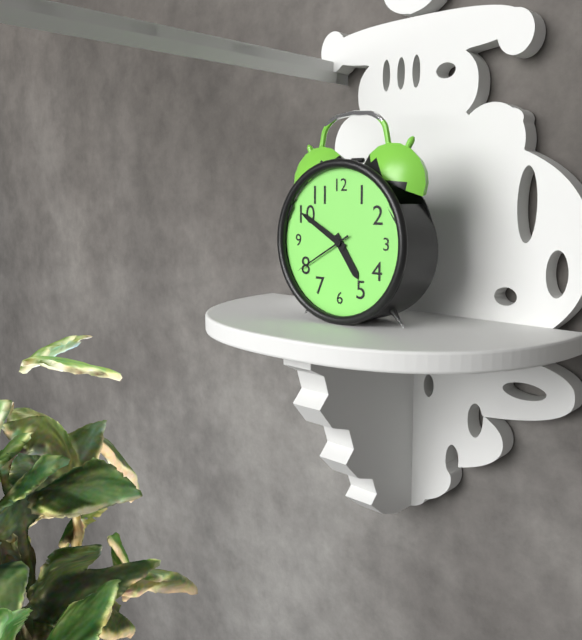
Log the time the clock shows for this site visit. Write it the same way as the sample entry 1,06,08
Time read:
4,50,40
